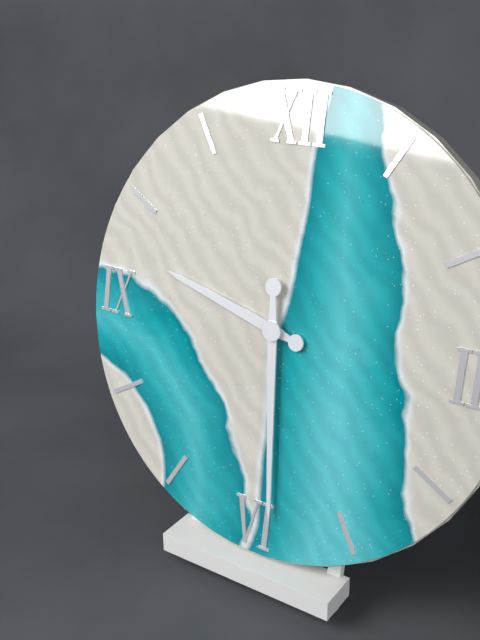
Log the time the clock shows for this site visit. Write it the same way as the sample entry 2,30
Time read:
9,29
